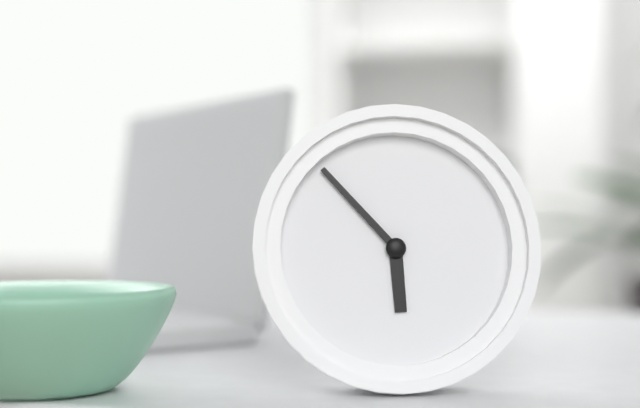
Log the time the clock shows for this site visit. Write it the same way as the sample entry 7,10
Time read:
5,53
